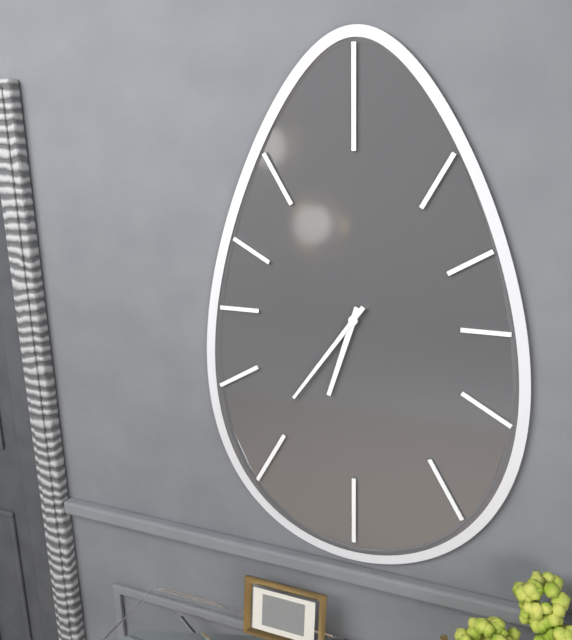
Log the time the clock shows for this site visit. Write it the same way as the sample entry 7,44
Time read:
6,36
